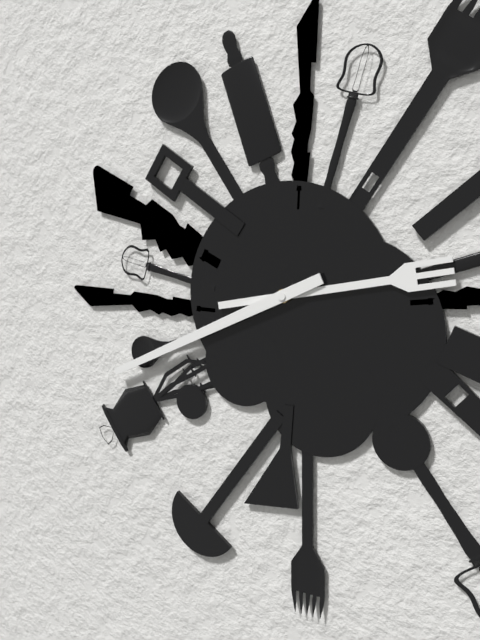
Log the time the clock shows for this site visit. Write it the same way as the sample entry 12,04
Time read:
2,41
